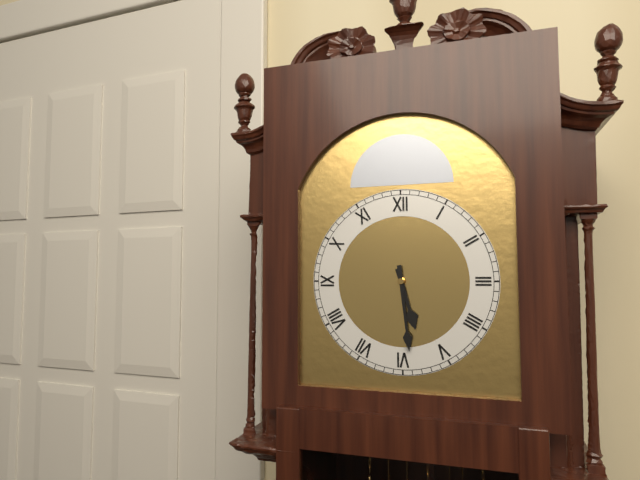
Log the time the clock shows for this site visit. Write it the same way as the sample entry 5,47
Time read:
5,29
